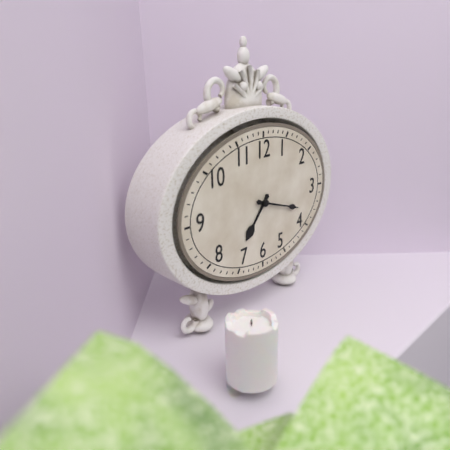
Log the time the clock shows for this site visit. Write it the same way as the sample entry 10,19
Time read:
7,18
